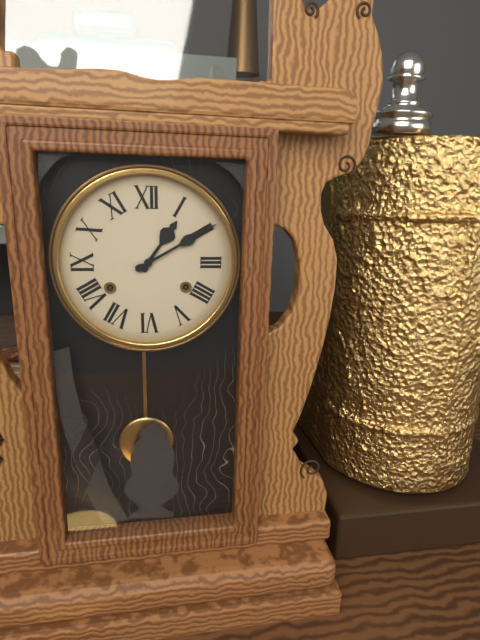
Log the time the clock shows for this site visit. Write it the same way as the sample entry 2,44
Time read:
1,10
